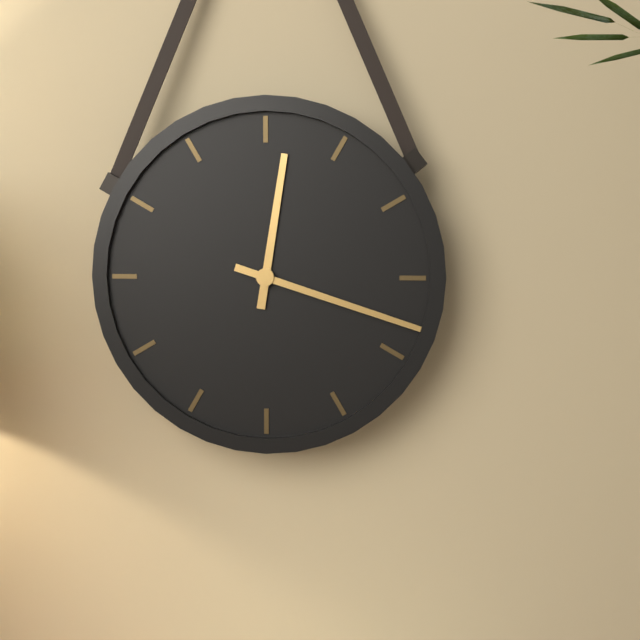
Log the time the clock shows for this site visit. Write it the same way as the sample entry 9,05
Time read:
12,18
